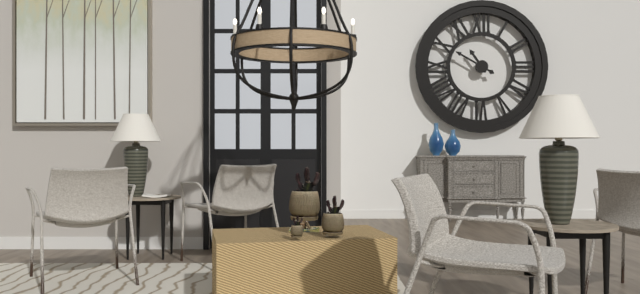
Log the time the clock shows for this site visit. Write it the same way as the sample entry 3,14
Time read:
10,50
